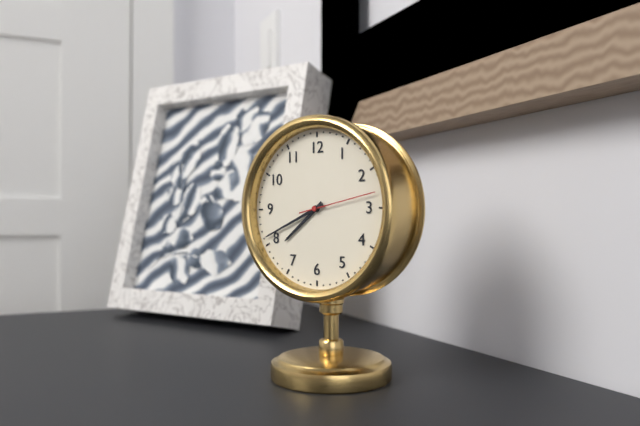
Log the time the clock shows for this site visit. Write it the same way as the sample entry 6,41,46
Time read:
7,41,13
